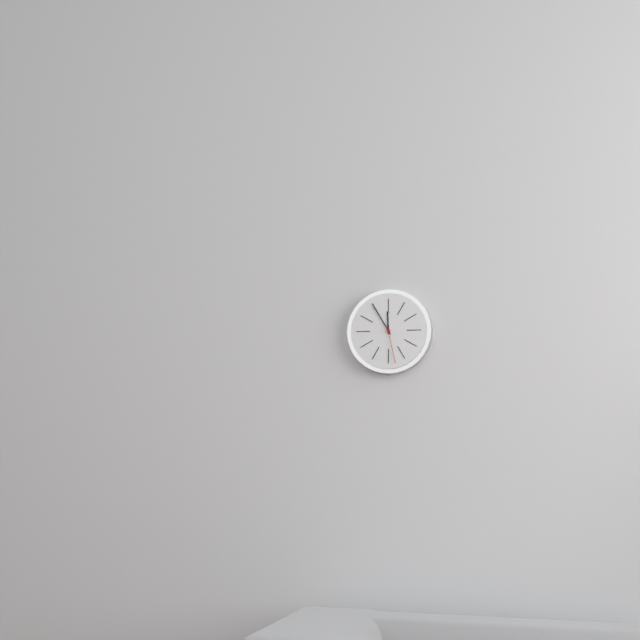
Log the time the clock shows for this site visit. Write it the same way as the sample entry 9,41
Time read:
11,55
